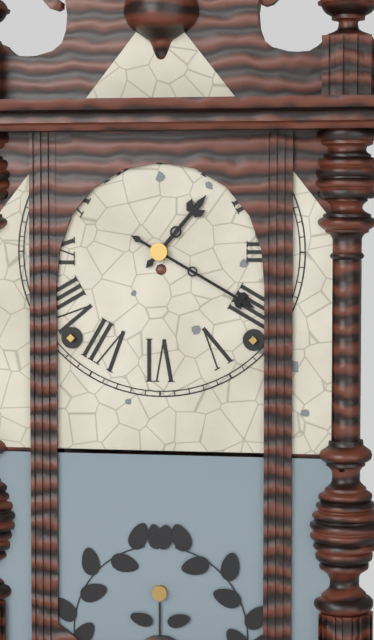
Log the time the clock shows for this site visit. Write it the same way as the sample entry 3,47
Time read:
1,20
